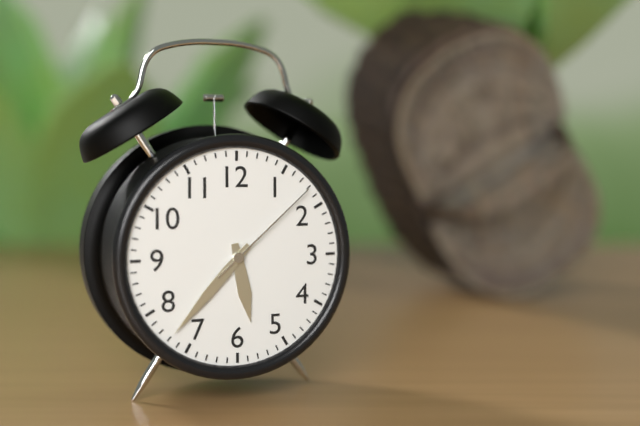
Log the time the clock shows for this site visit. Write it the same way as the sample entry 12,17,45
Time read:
5,37,08
